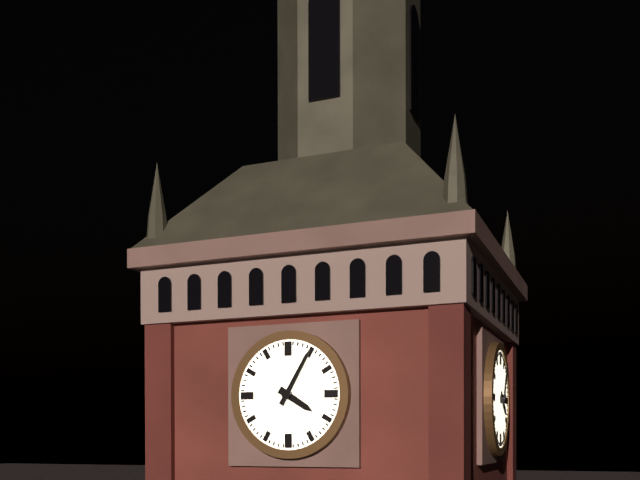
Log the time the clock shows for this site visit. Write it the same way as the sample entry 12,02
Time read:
4,05
